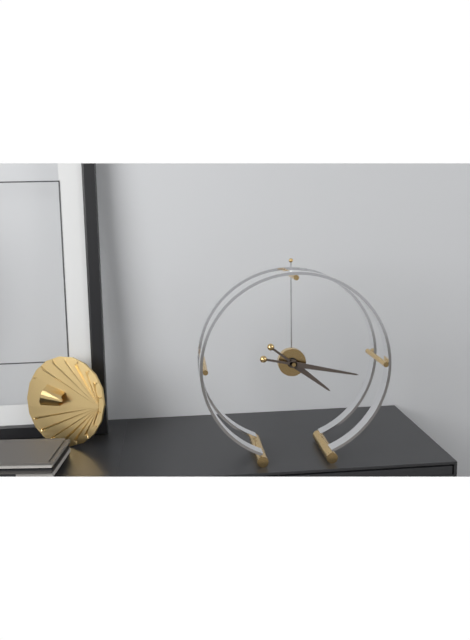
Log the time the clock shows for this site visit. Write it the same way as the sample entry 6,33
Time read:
4,17
